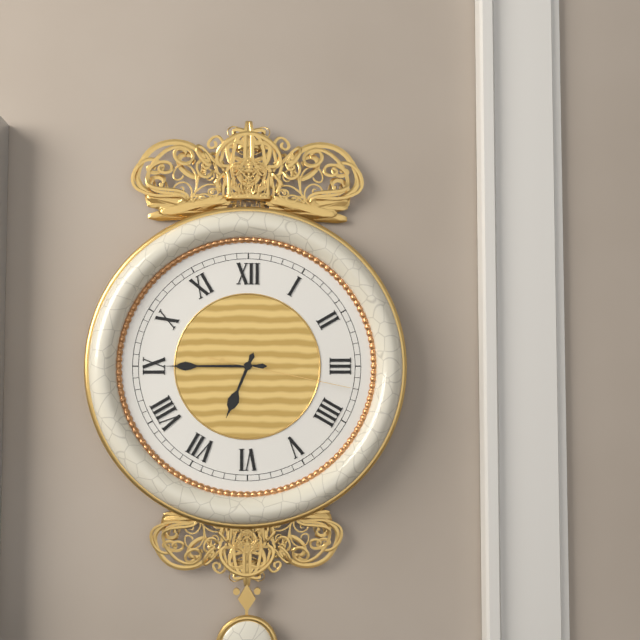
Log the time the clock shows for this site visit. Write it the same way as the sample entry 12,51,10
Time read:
6,45,17
